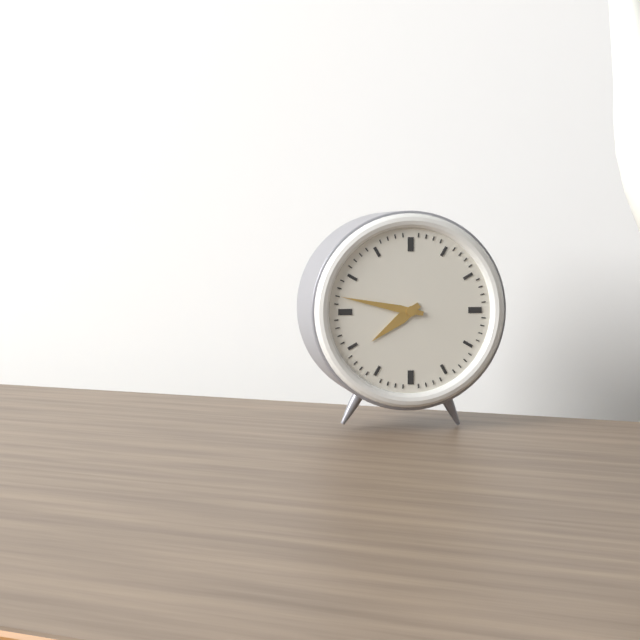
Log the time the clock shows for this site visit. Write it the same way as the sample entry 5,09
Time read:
7,47
